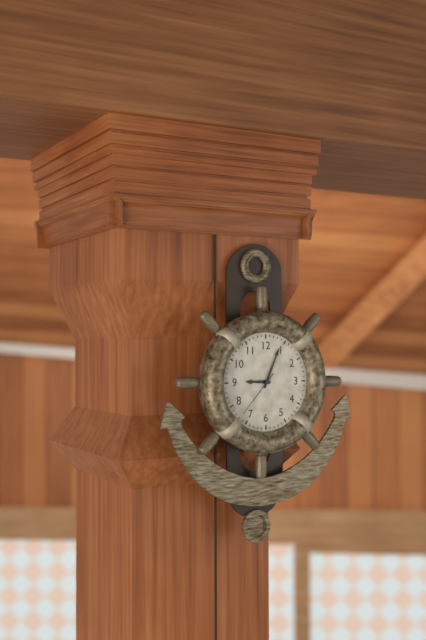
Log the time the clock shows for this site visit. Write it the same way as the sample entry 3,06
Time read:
9,04
